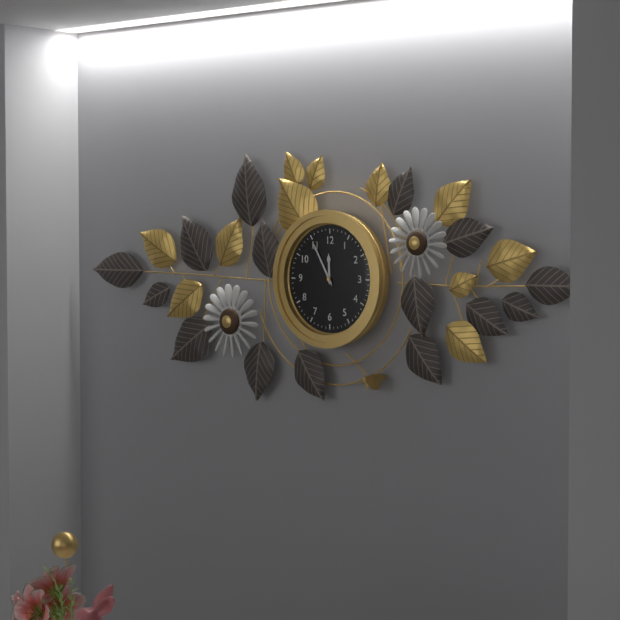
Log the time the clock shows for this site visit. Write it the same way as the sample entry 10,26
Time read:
11,55
